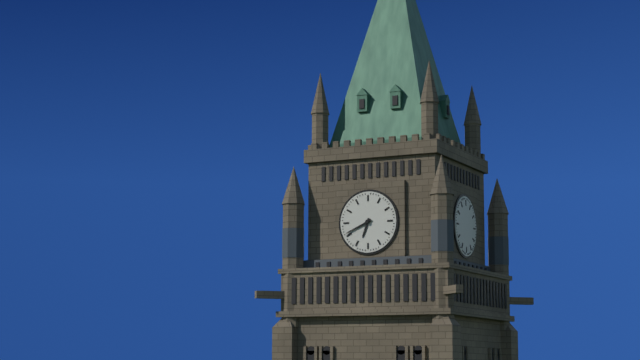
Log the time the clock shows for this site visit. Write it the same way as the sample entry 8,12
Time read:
6,41
